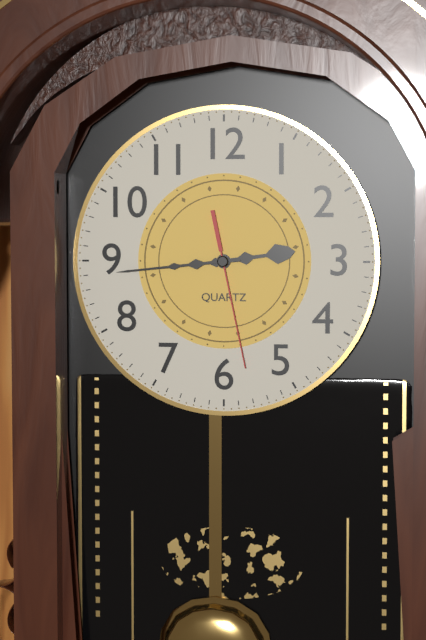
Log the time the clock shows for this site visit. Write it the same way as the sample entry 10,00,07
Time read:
2,44,28
